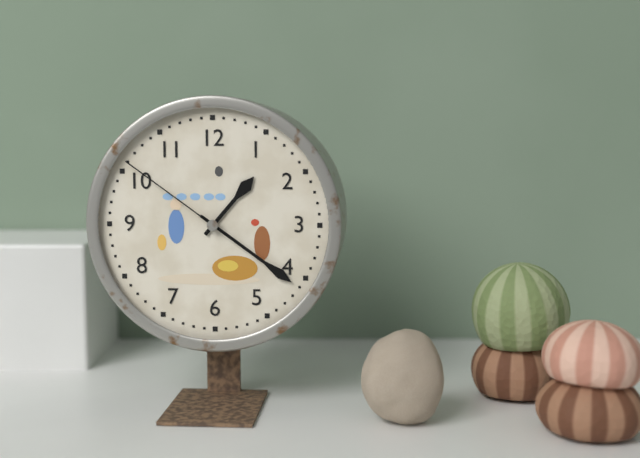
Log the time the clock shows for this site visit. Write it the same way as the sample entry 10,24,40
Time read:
1,21,51
